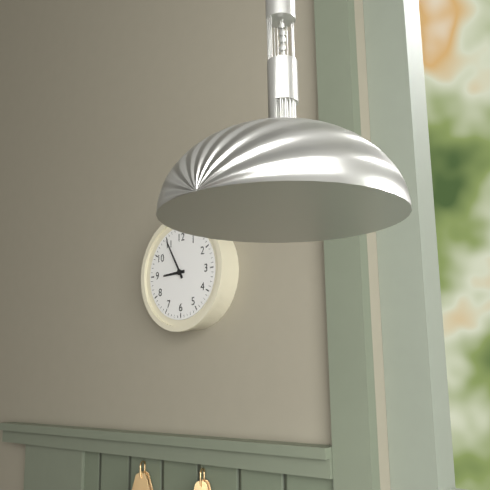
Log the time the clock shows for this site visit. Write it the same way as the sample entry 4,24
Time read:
8,55
